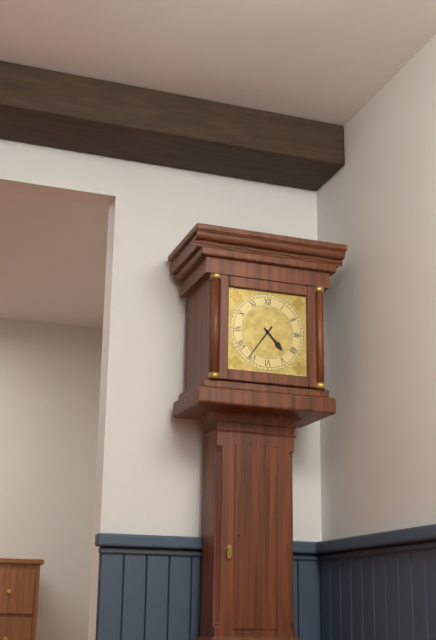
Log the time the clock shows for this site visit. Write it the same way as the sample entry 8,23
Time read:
4,36
